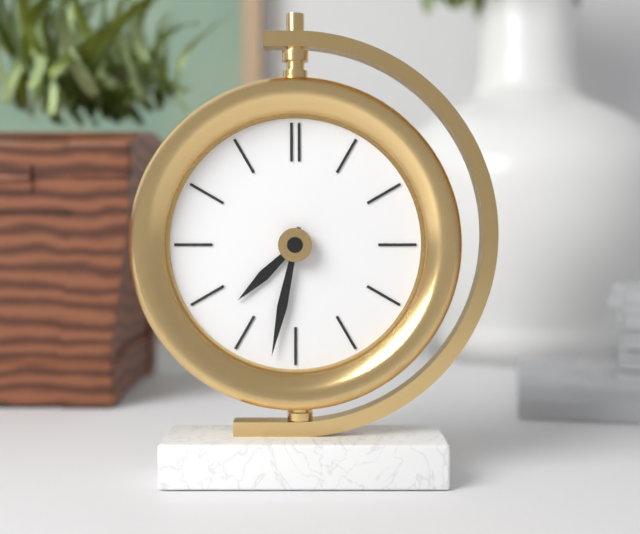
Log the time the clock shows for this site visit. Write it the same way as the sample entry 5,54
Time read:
7,32
